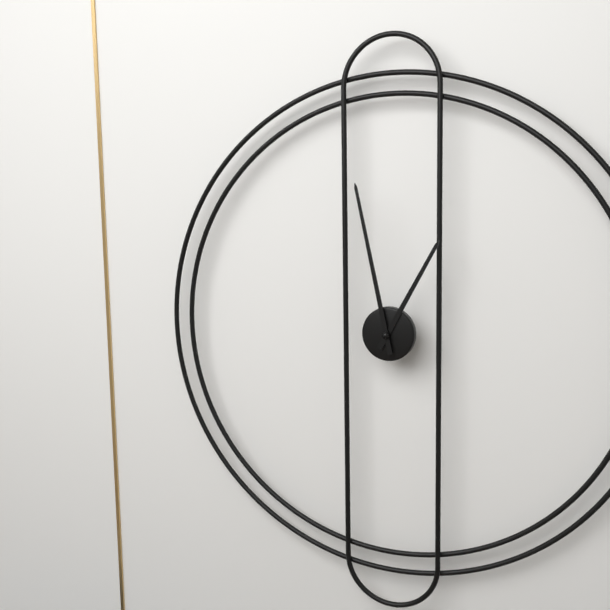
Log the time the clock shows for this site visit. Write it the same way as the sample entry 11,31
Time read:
12,58
